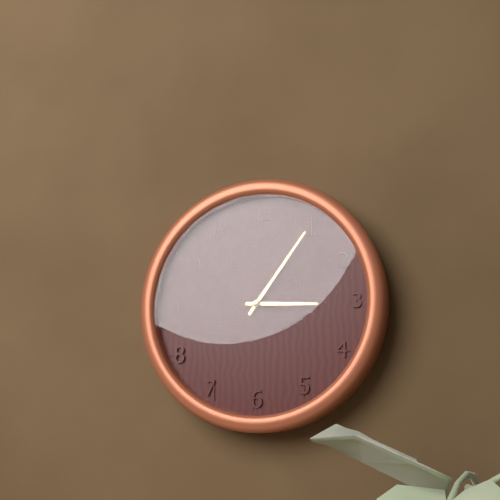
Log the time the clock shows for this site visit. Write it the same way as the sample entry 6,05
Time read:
3,06
